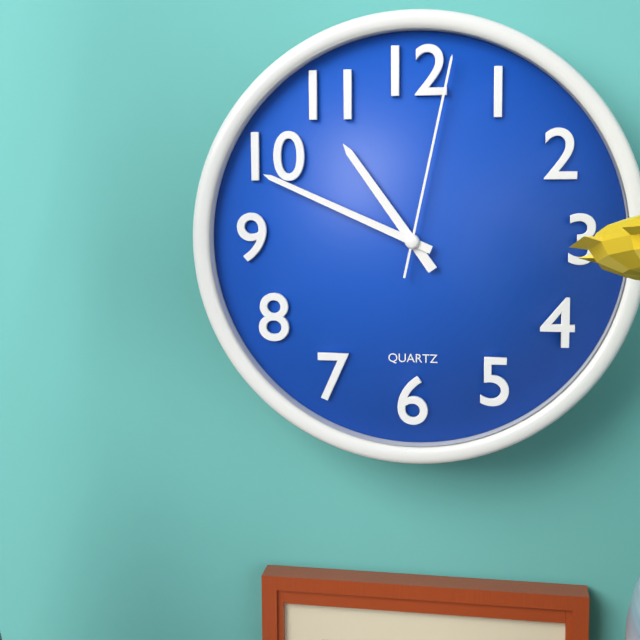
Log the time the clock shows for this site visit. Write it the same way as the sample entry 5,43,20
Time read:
10,49,02
